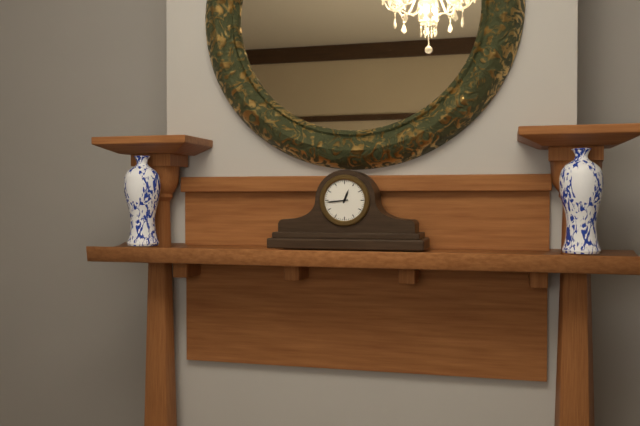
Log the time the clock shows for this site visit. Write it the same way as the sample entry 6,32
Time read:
12,44
